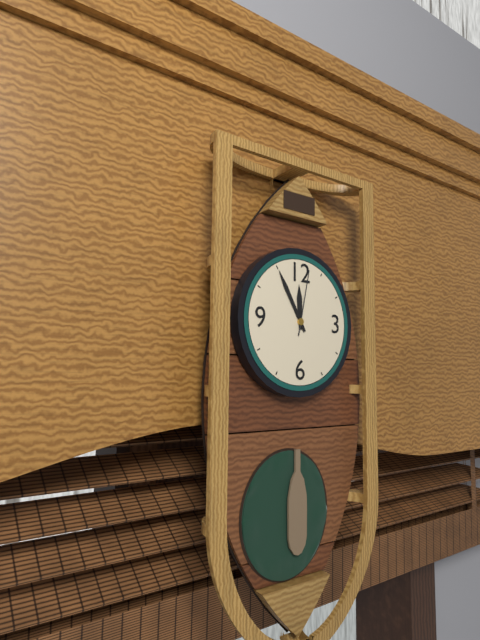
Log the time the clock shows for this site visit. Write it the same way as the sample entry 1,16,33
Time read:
11,55,02
